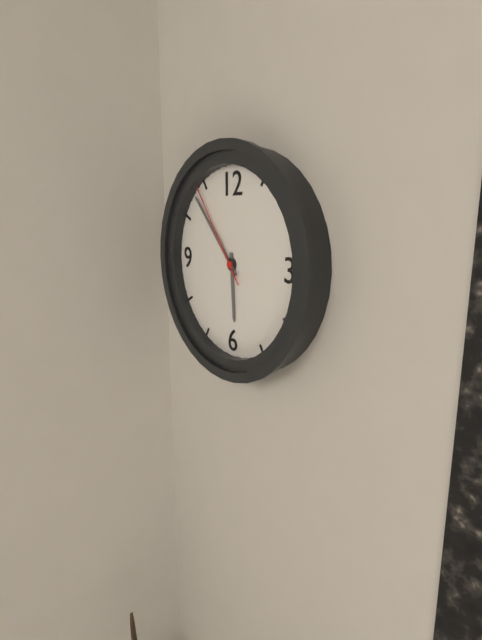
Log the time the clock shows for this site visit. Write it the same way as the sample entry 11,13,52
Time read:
5,53,54
